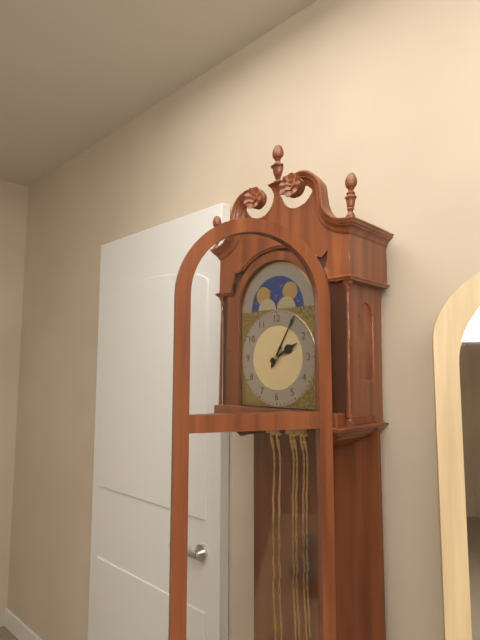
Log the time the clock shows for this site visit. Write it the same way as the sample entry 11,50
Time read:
2,05
